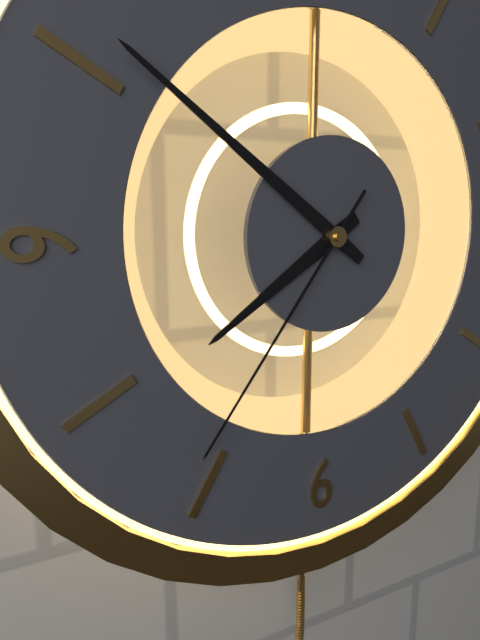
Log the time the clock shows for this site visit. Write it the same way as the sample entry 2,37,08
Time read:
7,51,36
